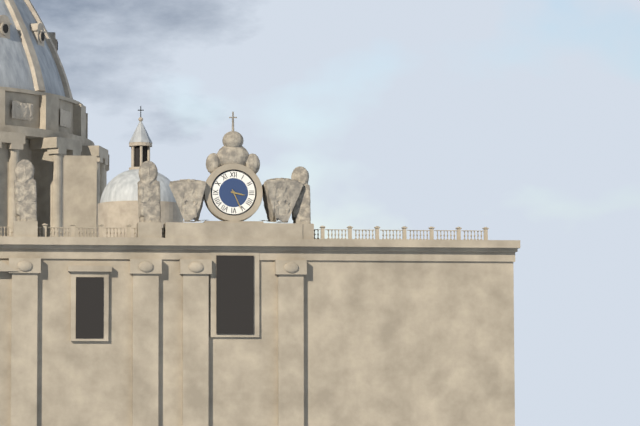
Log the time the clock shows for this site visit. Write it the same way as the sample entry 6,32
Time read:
3,26
